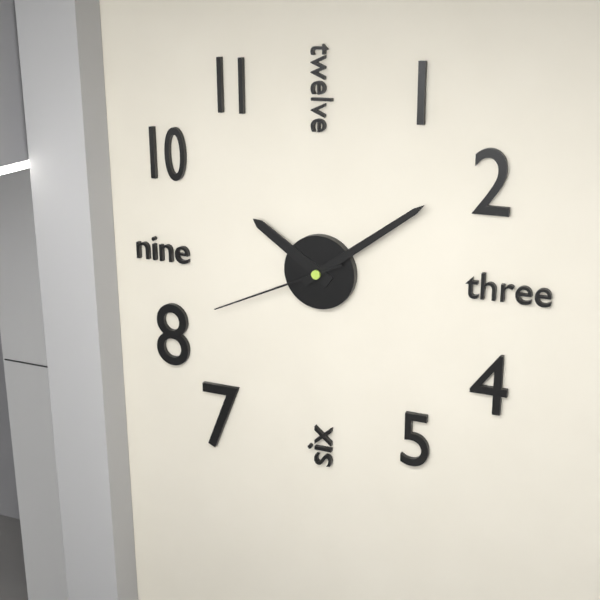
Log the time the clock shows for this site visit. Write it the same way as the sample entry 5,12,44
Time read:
10,09,41
